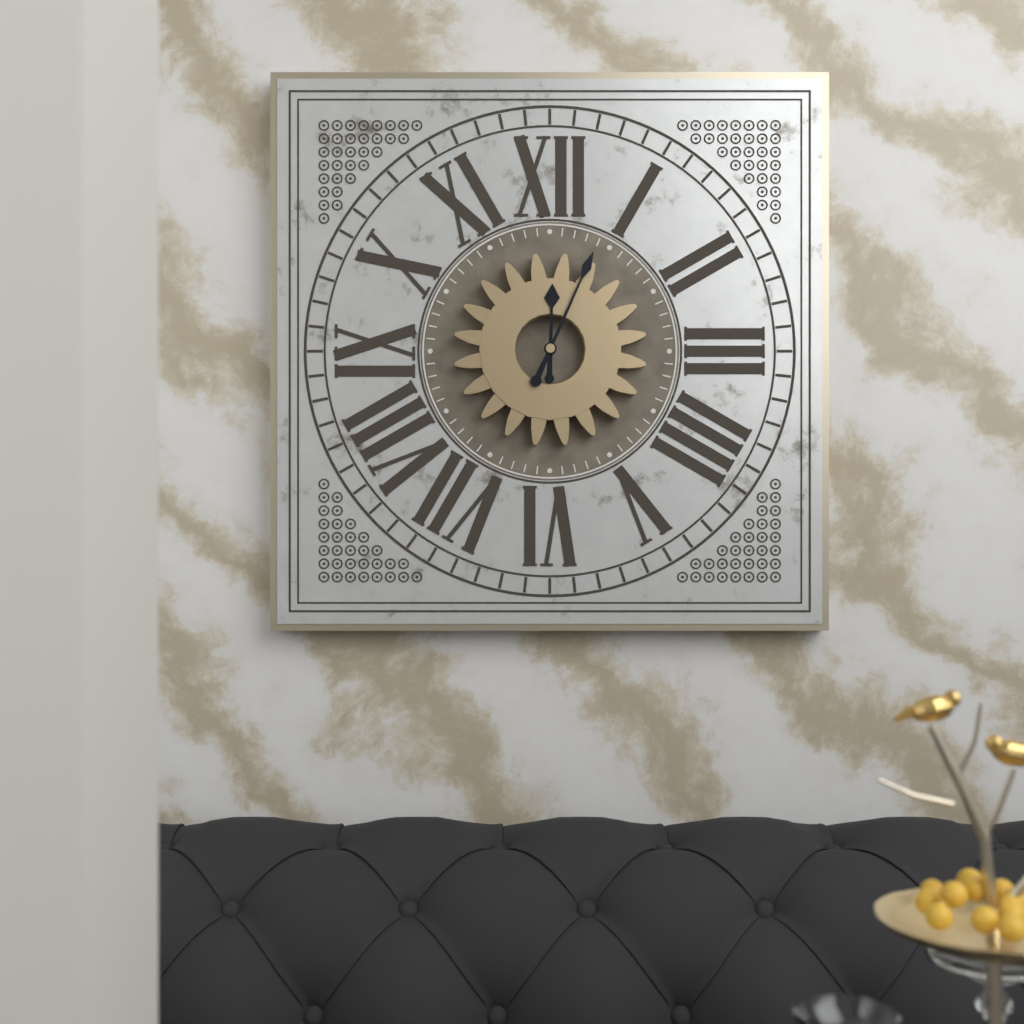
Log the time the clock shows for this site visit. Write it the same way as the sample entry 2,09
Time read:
12,04
